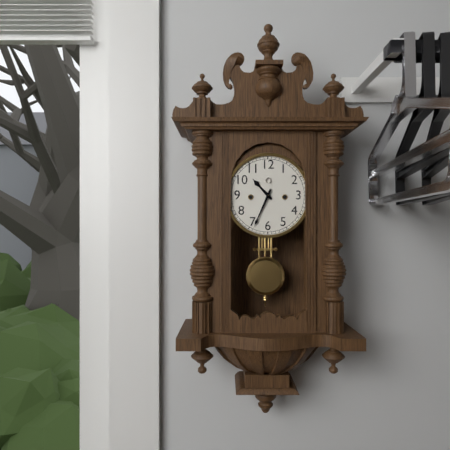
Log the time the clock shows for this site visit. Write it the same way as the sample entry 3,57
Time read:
10,34
